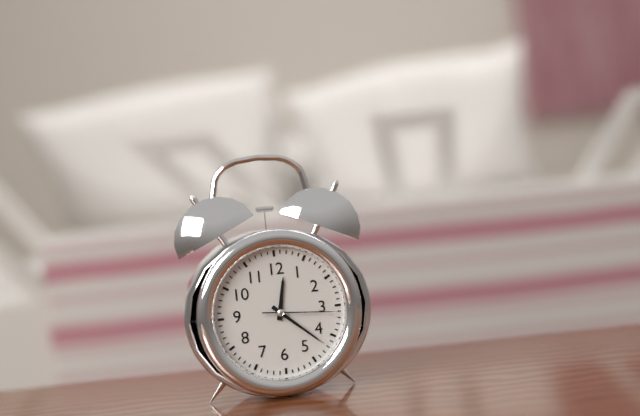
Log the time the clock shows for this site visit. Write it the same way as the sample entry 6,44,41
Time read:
12,22,16
